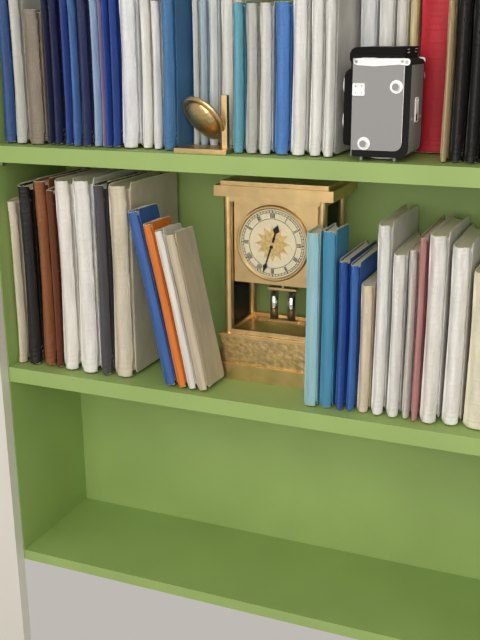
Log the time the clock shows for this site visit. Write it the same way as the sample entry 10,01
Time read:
12,33
